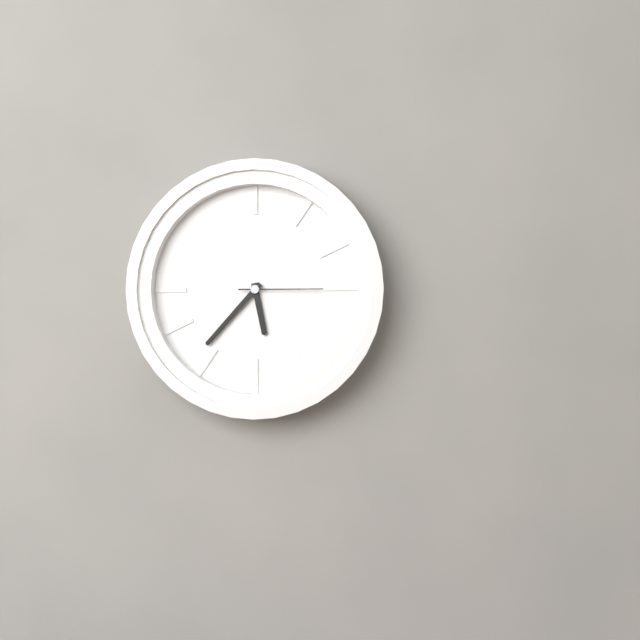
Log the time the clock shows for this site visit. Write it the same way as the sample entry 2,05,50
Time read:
5,37,15
